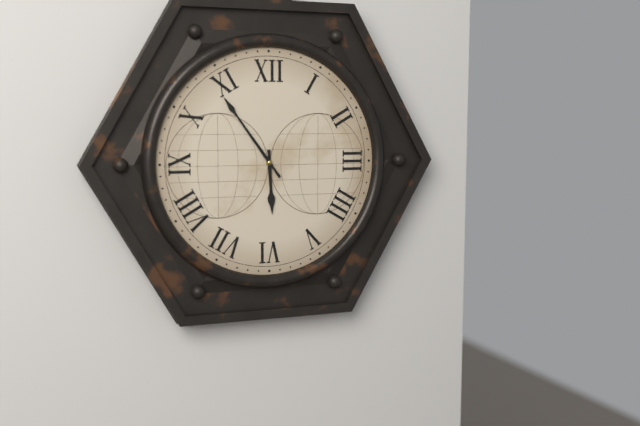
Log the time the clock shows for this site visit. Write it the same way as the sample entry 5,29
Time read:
5,54
